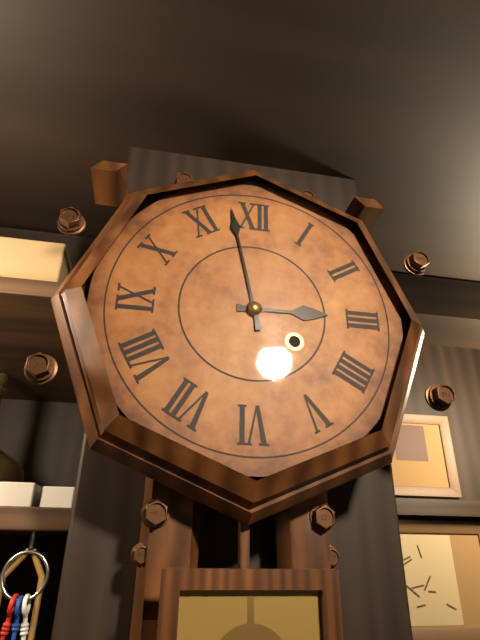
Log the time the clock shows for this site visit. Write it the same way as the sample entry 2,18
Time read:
2,58
